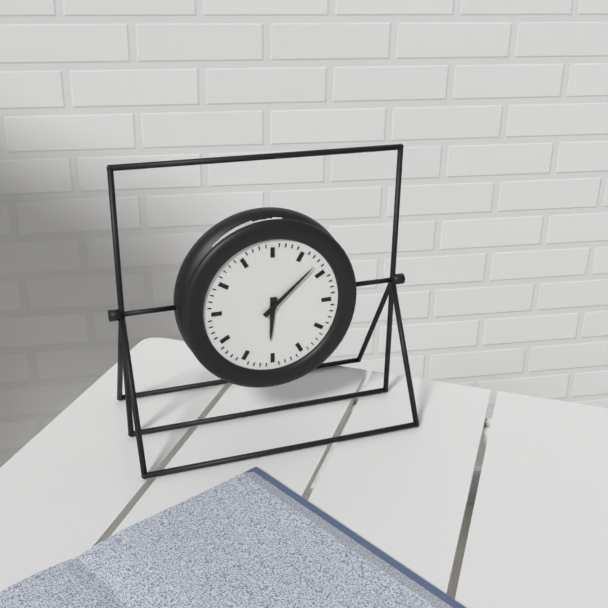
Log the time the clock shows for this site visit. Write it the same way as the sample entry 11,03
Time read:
6,08
